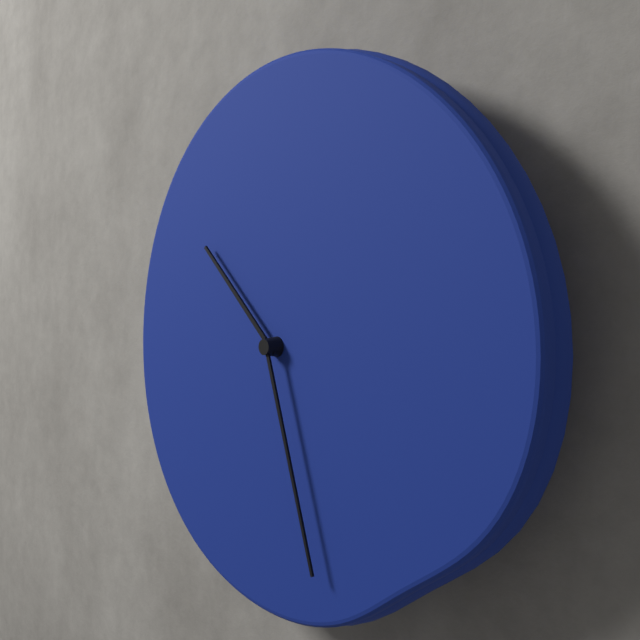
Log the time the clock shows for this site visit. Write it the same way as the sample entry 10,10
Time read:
10,27
